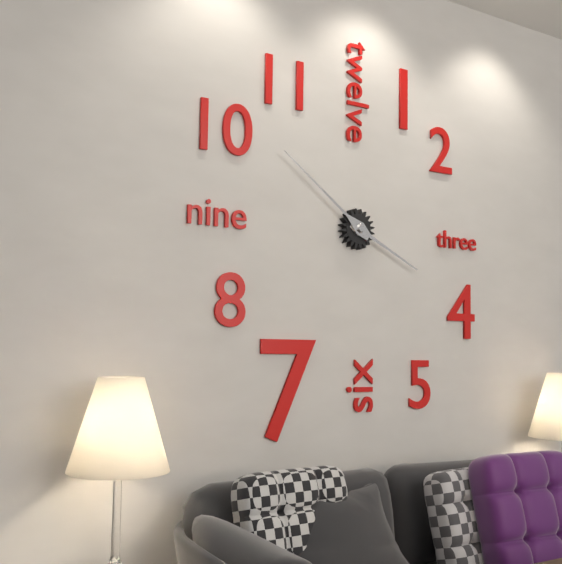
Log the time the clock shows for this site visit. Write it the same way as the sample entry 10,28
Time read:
3,51
